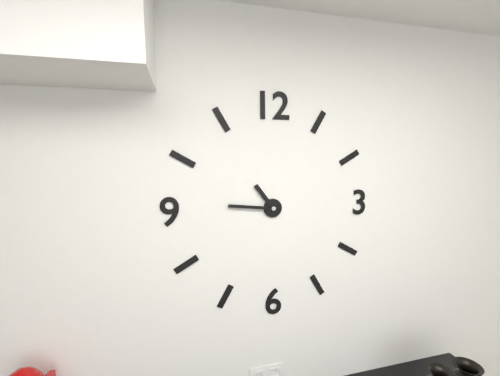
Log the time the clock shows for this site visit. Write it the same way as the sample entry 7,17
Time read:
10,46
